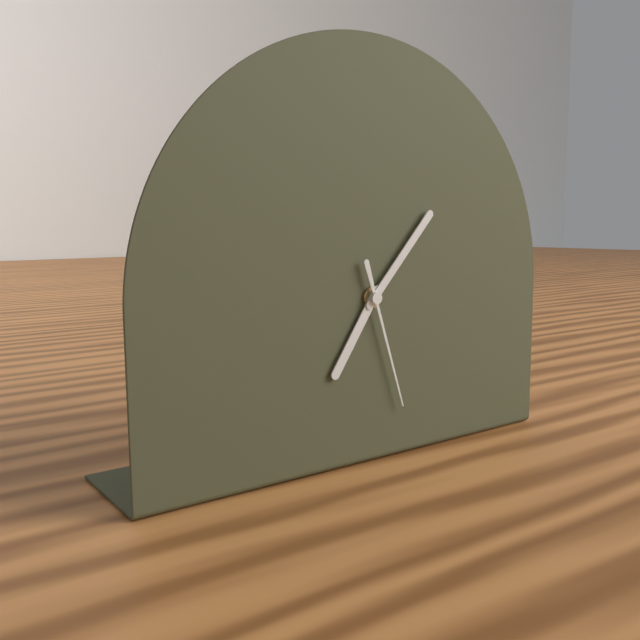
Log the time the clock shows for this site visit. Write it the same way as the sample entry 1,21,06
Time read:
7,07,27
